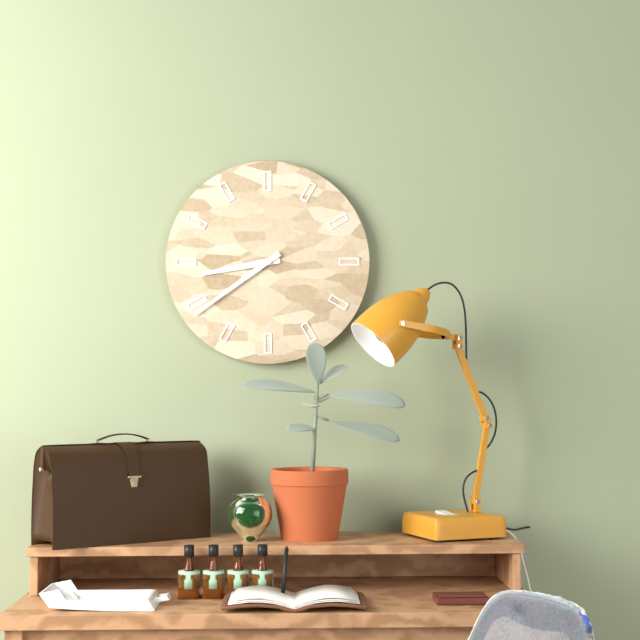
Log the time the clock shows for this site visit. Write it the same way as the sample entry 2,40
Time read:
8,39
